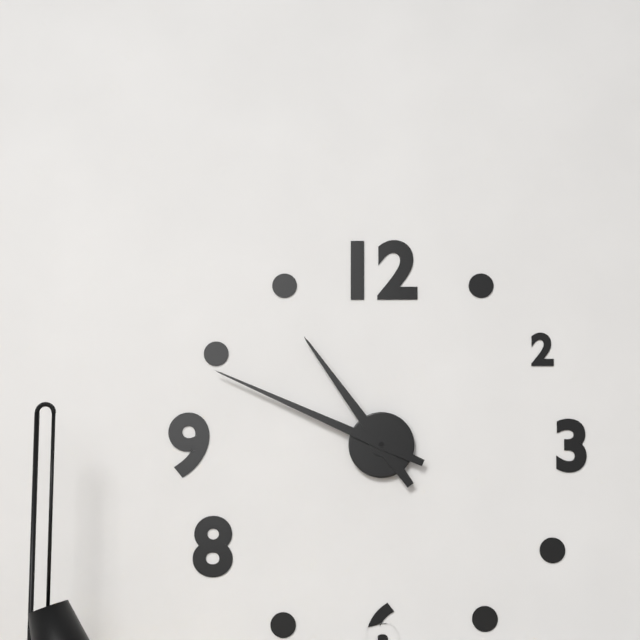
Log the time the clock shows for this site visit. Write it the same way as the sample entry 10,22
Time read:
10,49
